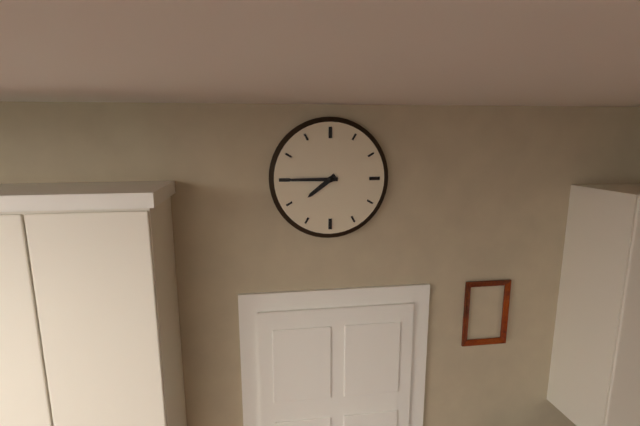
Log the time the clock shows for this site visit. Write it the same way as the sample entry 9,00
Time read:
7,45
